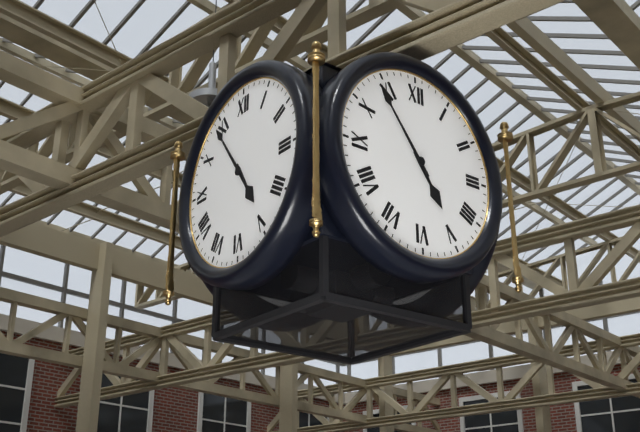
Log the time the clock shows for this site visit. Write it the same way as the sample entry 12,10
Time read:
4,54
